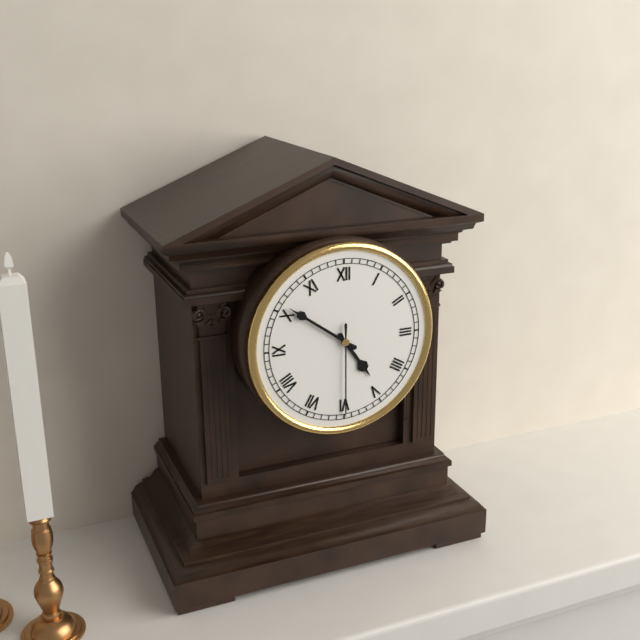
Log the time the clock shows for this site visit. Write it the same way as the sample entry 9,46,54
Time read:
4,51,30
